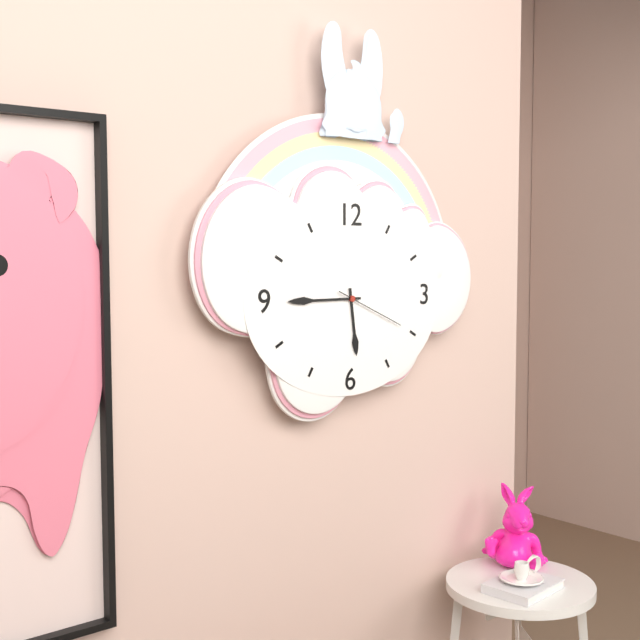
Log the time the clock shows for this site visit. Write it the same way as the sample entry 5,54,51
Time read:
5,45,19
